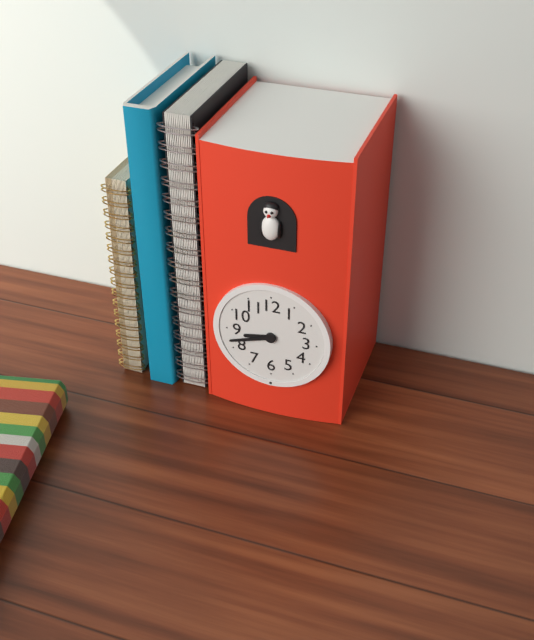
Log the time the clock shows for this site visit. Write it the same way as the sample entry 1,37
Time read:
8,42
